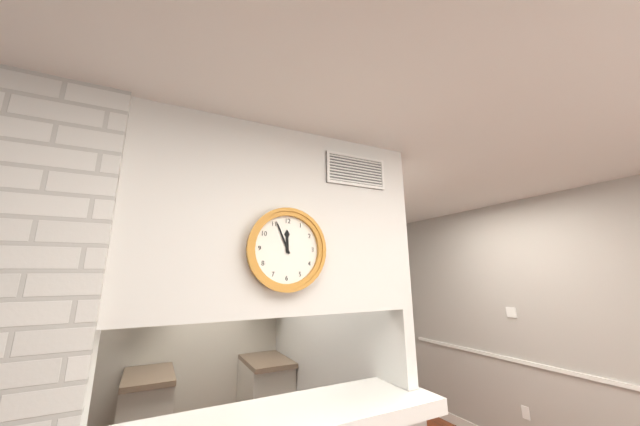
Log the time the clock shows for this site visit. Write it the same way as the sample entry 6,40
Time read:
11,56
